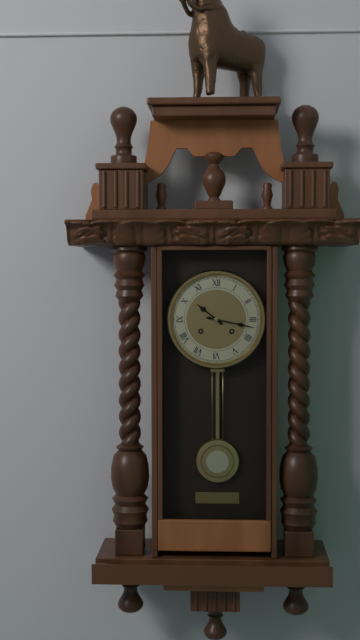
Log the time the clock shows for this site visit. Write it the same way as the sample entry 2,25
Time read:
10,17
